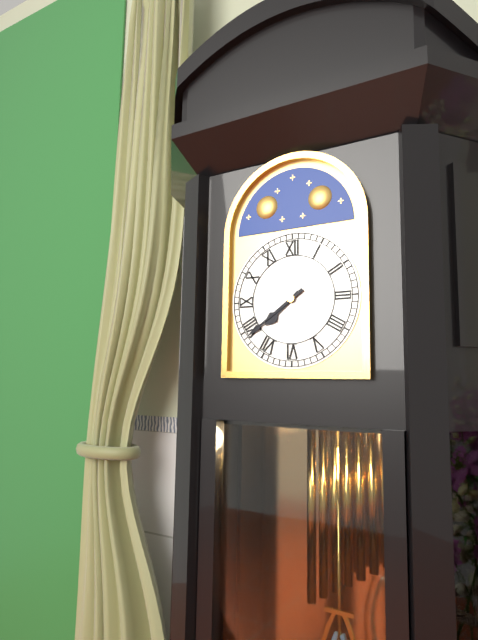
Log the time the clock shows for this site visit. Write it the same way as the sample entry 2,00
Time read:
7,39
